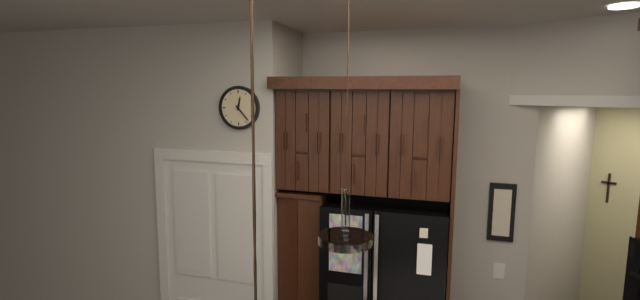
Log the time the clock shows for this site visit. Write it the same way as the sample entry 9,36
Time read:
12,23
